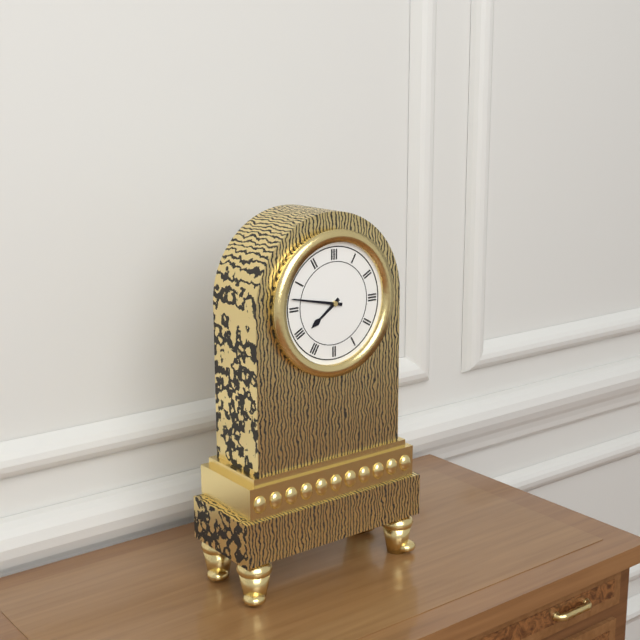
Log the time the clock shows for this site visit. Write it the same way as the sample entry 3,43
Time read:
7,47
